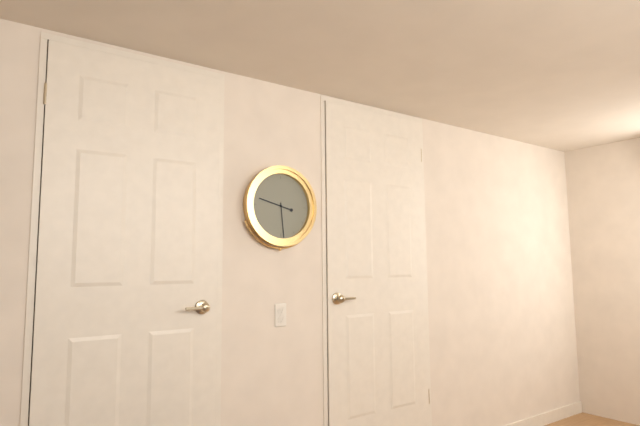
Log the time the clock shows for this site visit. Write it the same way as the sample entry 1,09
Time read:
9,29
